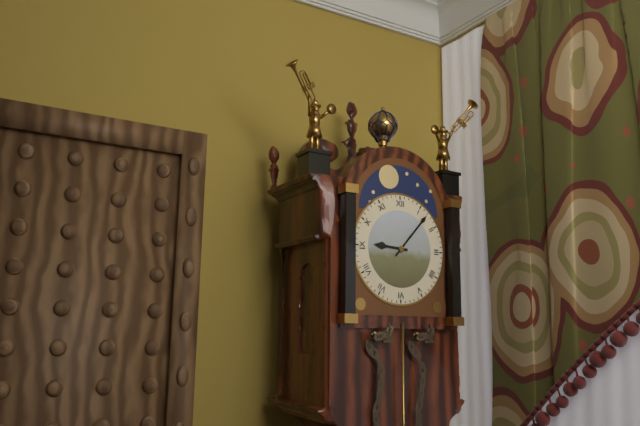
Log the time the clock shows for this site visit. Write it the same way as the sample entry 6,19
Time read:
9,07
